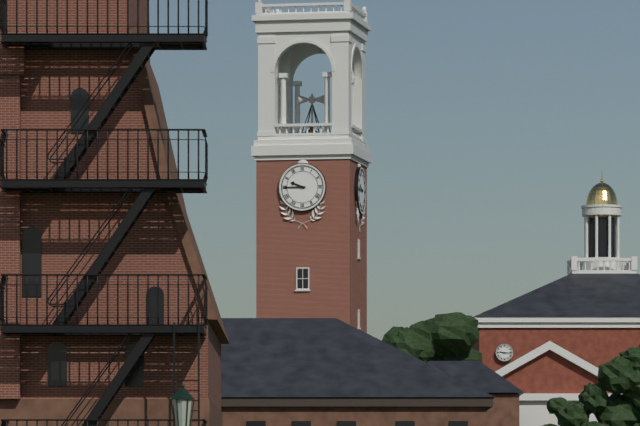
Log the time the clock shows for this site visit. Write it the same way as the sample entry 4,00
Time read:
9,45
